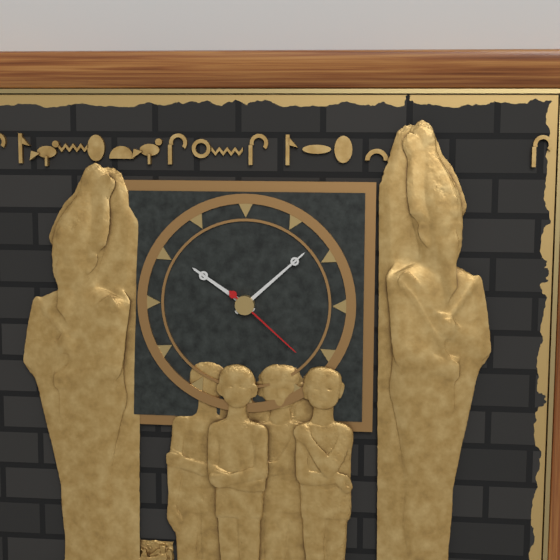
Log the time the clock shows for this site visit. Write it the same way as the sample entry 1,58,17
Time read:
10,08,22
